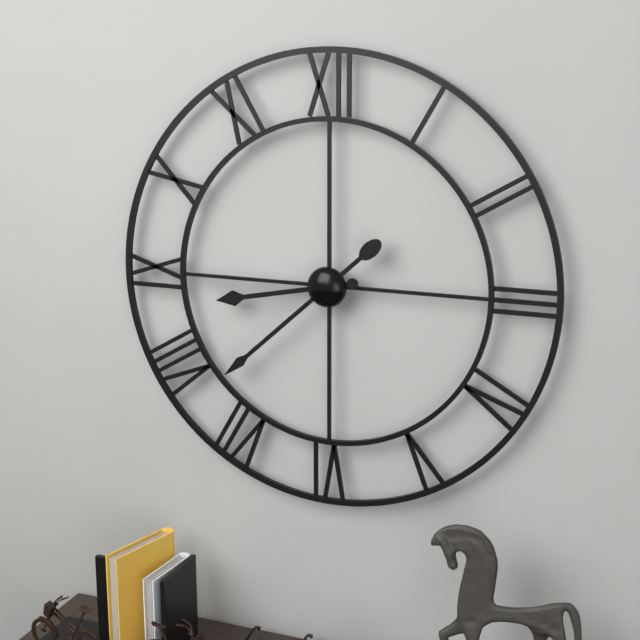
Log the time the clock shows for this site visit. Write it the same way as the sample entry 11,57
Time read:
8,38
